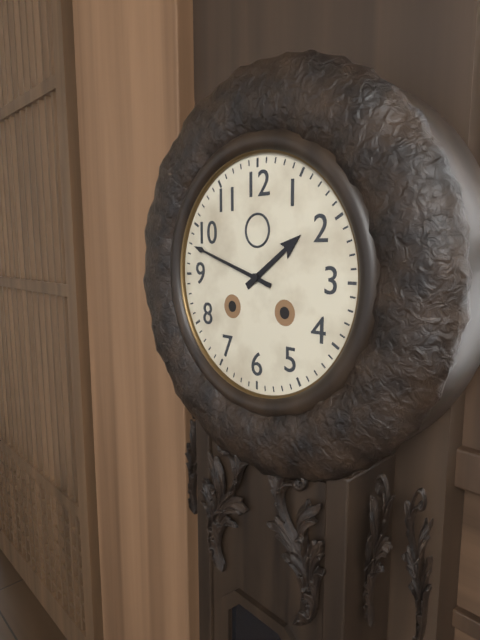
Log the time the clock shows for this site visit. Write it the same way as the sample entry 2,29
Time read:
1,48
